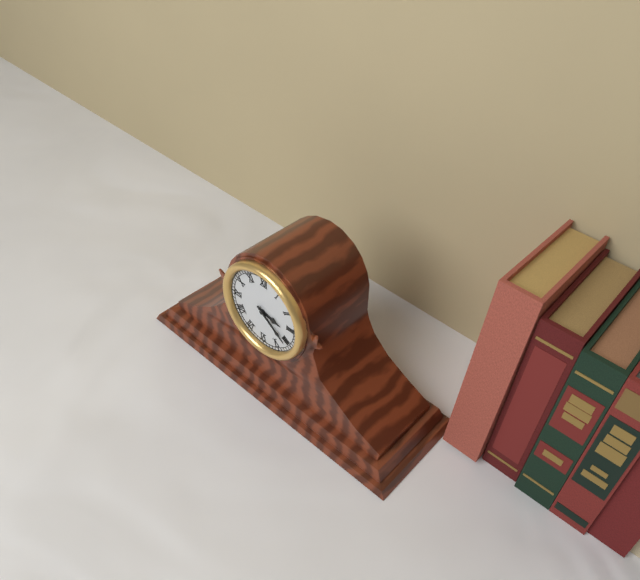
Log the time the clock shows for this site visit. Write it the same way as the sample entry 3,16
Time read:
3,21
